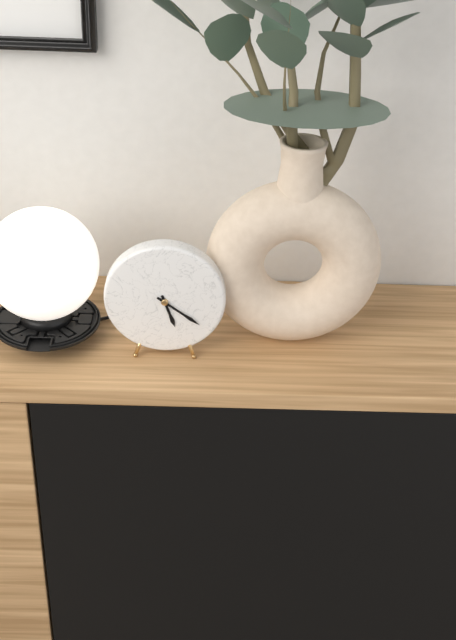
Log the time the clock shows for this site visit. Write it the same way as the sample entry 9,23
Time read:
5,21
